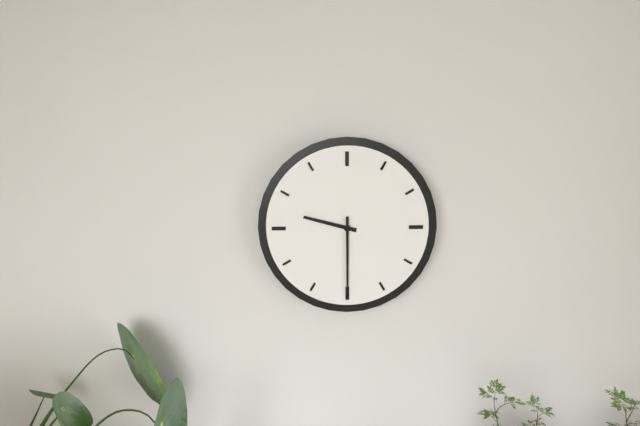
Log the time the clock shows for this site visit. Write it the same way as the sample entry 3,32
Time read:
9,30
